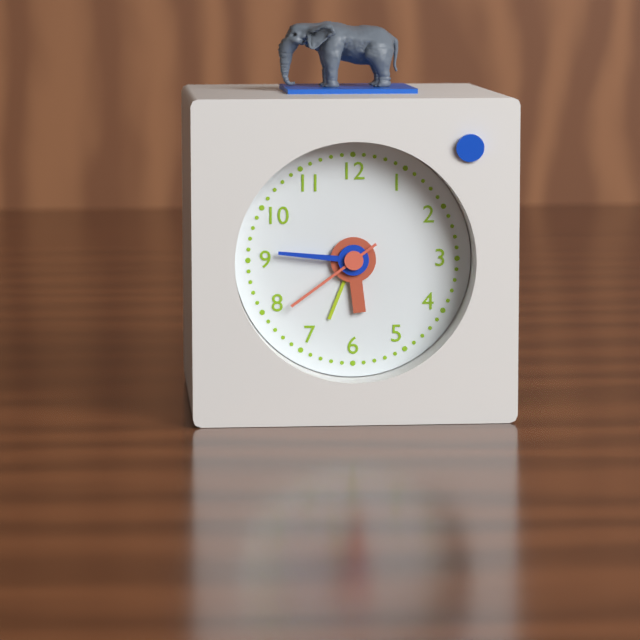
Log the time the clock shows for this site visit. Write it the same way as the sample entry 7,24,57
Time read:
5,46,39
